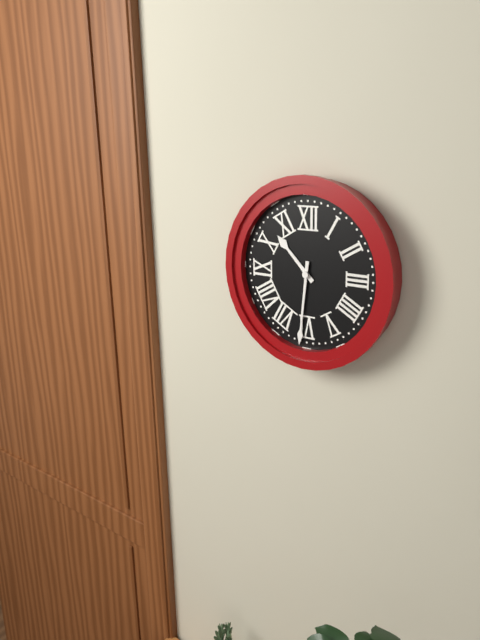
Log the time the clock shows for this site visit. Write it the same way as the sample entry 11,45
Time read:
10,31
